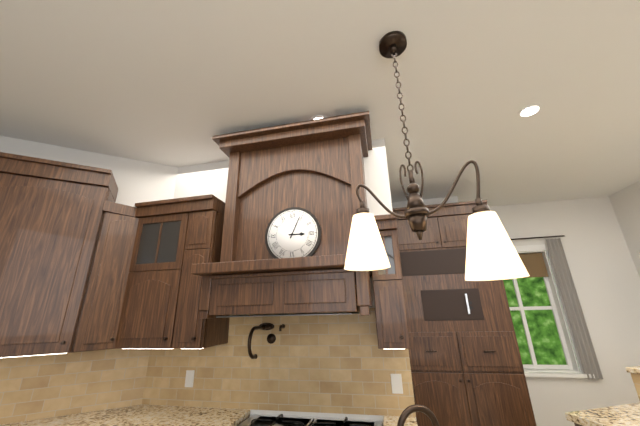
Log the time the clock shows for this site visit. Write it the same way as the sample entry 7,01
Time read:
3,04
